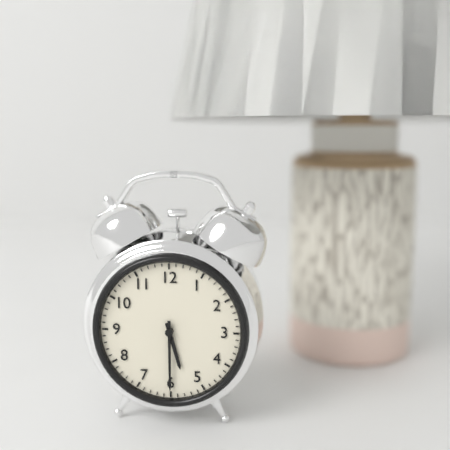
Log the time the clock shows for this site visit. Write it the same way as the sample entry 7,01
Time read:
5,30
